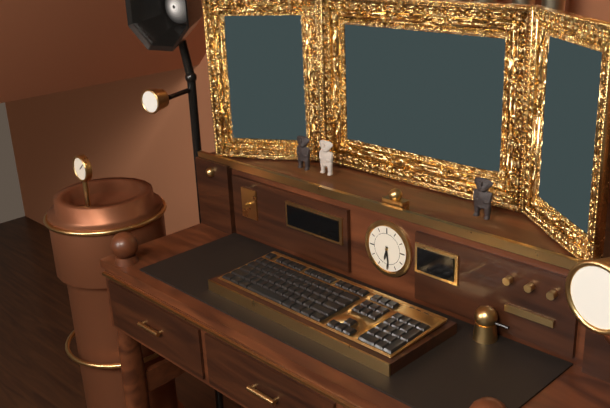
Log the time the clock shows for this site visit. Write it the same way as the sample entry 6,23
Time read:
6,29
